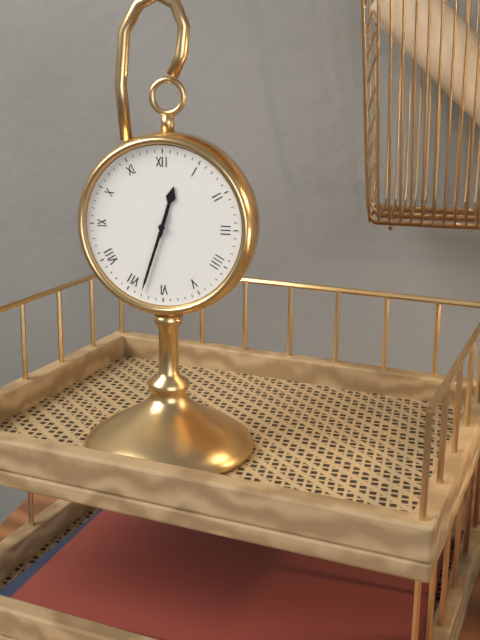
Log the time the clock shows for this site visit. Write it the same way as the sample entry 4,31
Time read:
12,33
